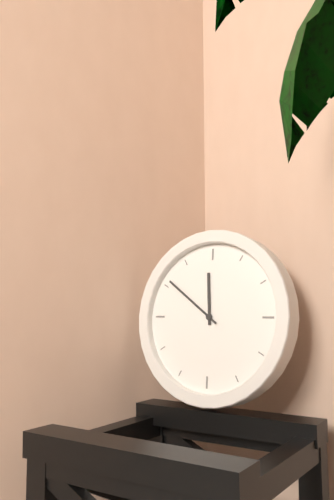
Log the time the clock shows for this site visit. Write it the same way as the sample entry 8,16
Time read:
11,51
